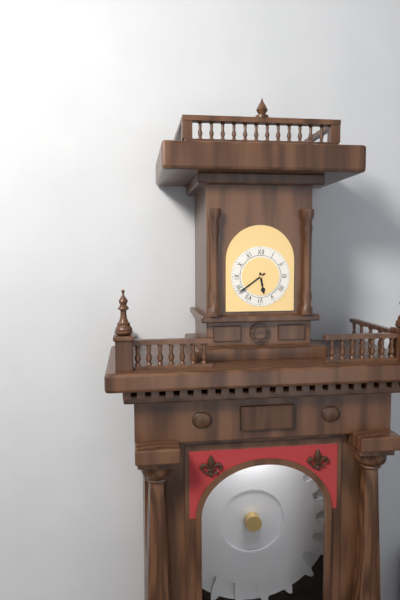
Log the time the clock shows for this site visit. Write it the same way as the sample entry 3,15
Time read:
5,39
